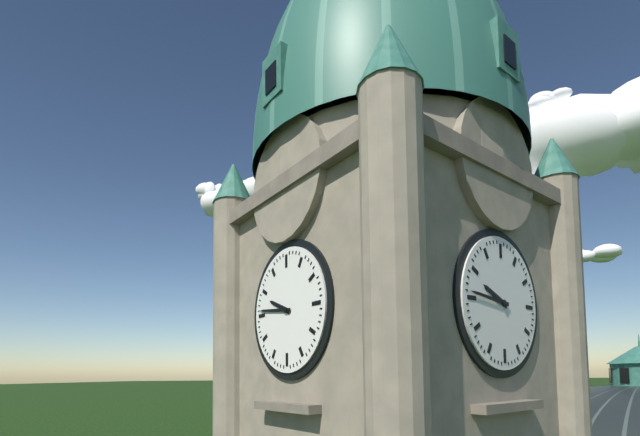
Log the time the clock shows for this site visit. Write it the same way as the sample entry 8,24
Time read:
9,46
